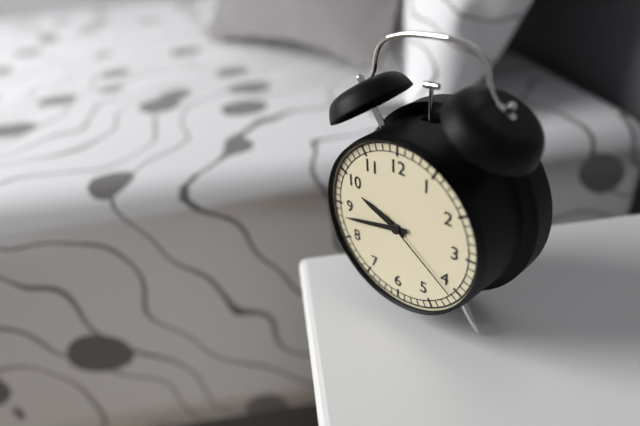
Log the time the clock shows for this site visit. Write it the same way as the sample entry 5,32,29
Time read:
9,43,21
